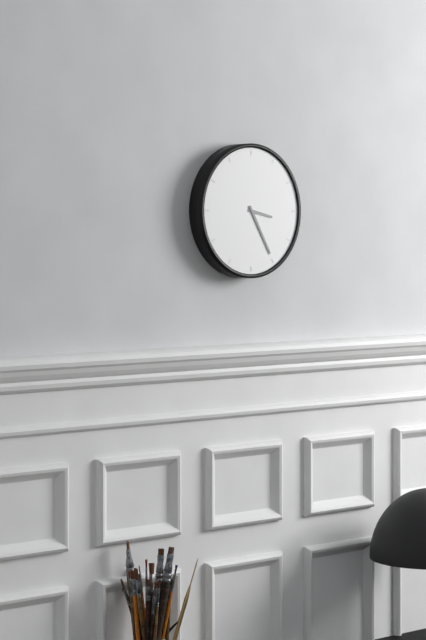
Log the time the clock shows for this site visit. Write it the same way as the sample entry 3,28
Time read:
3,25
